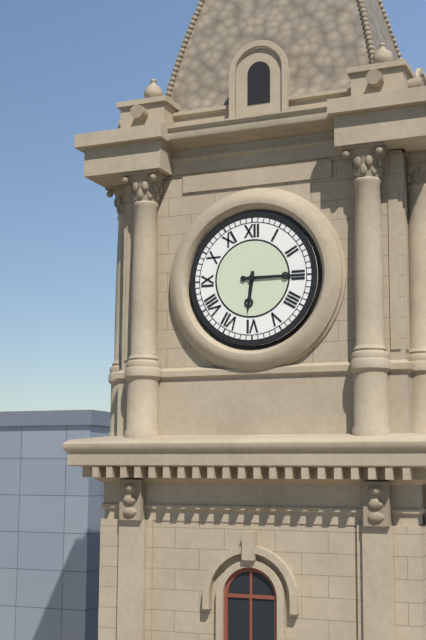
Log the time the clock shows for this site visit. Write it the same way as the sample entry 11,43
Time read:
6,15
